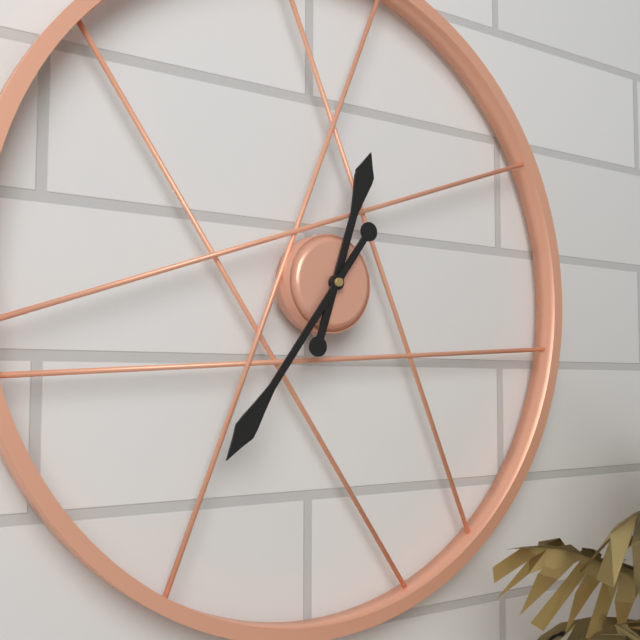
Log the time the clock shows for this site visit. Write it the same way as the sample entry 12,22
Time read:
12,36
